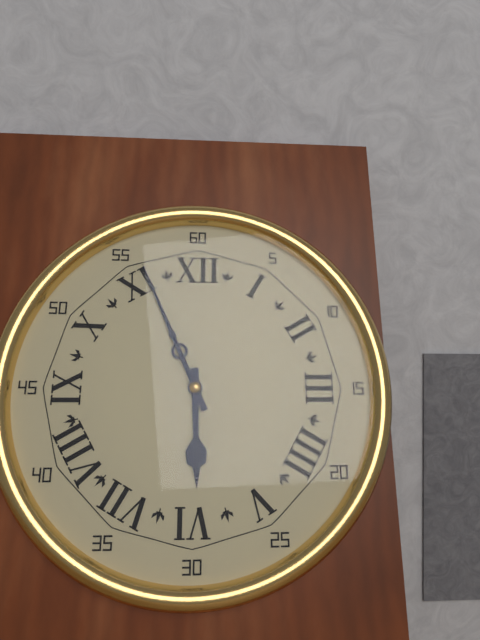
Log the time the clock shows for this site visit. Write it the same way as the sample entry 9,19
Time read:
5,56
